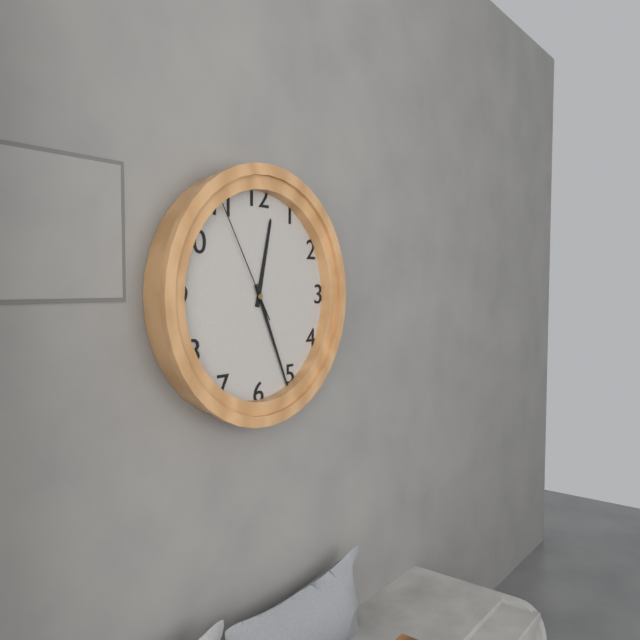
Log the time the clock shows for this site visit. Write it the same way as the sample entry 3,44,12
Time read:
12,26,55
